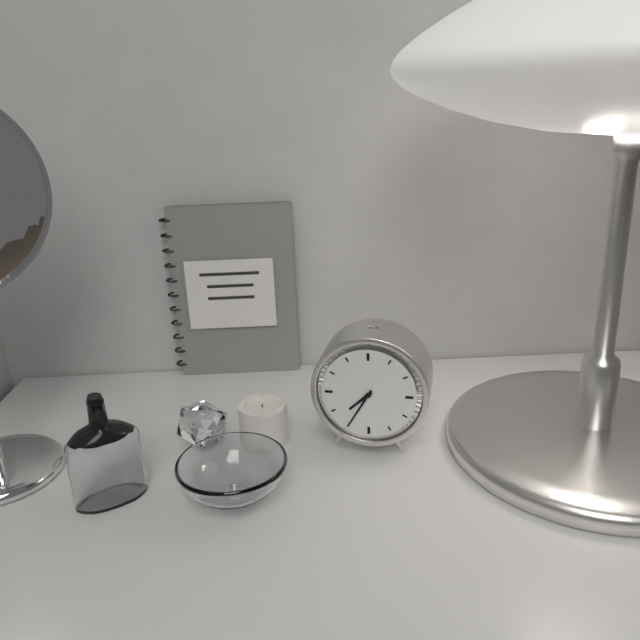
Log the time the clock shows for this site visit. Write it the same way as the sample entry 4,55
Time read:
7,35
